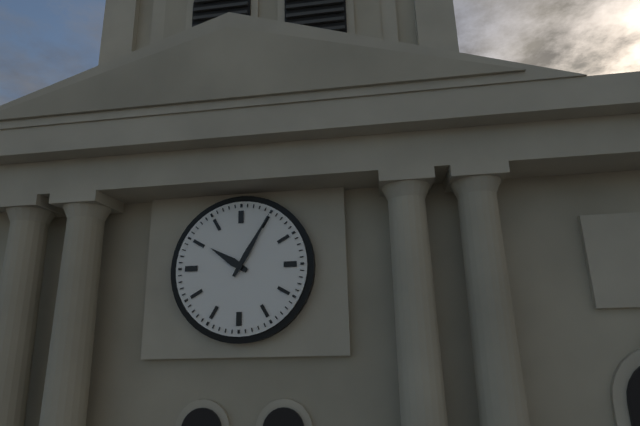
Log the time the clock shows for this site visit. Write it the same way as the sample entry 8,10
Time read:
10,05
